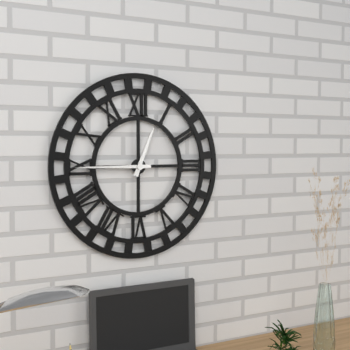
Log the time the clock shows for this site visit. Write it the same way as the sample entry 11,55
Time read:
12,45
